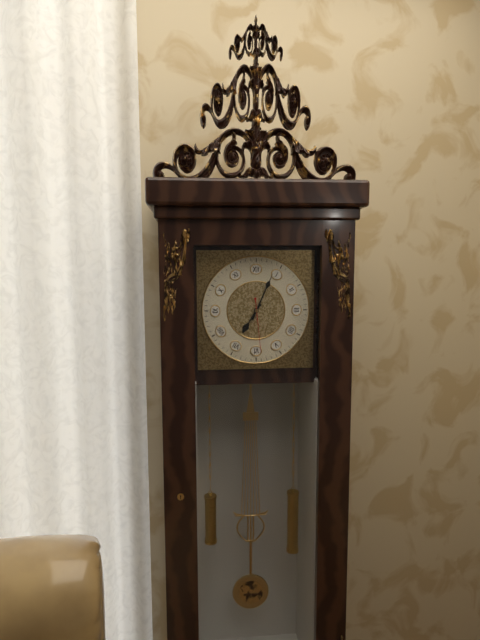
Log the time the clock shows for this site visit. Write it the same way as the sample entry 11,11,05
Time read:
7,04,29
